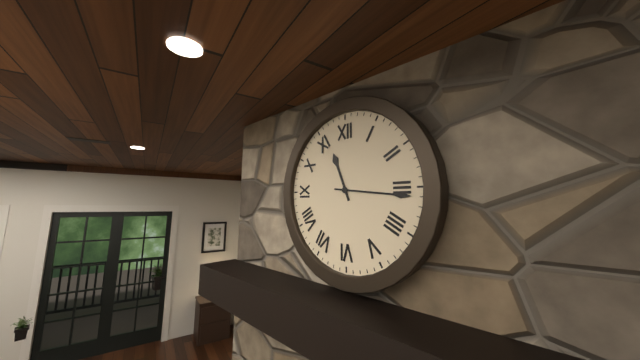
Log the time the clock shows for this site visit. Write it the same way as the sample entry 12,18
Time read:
11,16
